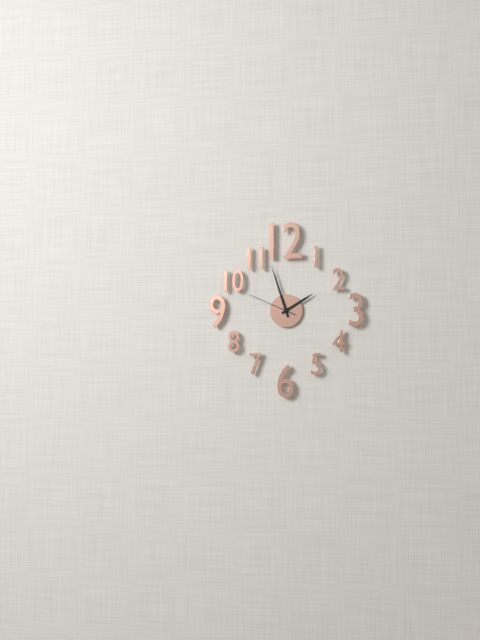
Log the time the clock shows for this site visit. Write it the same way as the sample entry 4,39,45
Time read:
1,57,49
